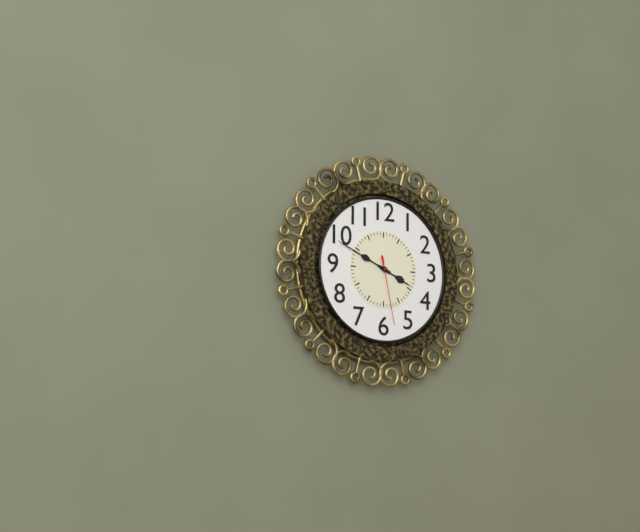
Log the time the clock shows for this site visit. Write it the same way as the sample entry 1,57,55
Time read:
3,49,28
